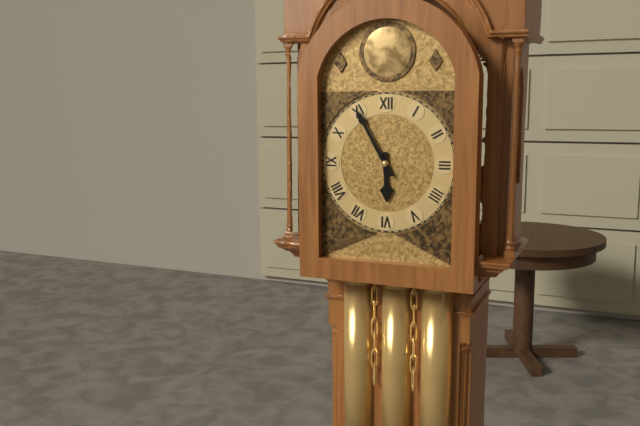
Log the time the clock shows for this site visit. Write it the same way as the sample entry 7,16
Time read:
5,55
